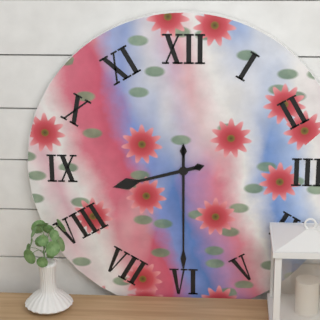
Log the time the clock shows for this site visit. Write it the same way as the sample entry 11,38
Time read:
8,30
